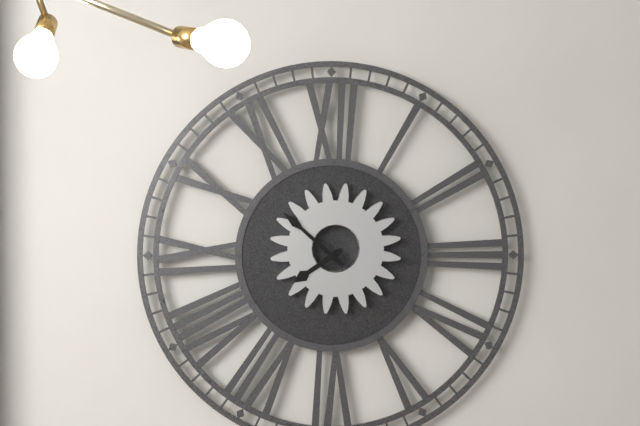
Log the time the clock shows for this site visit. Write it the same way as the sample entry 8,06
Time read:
7,52
